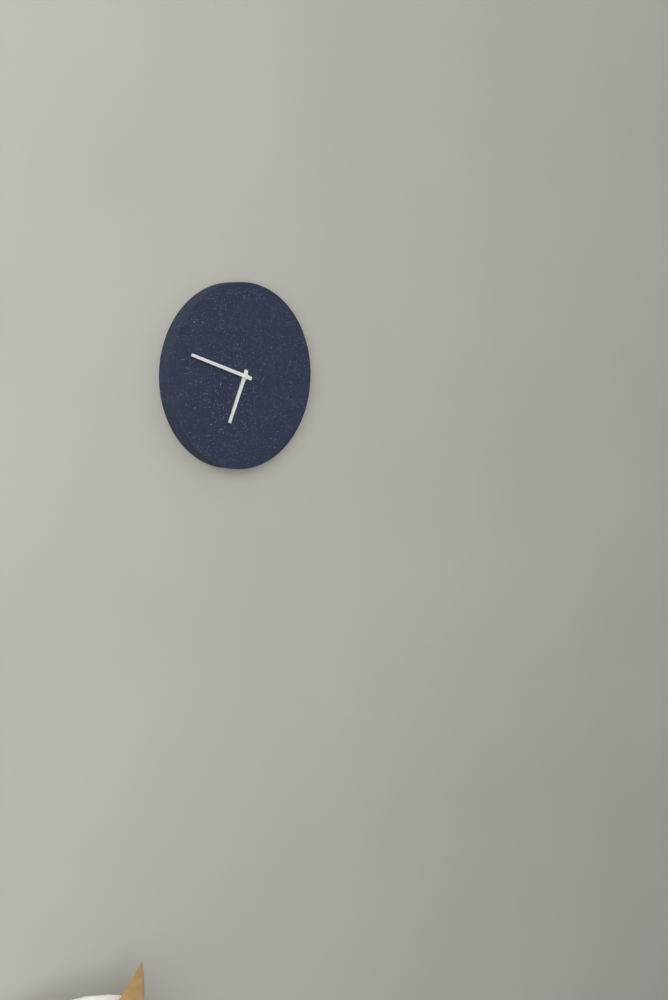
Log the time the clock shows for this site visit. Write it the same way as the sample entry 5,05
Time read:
6,48
